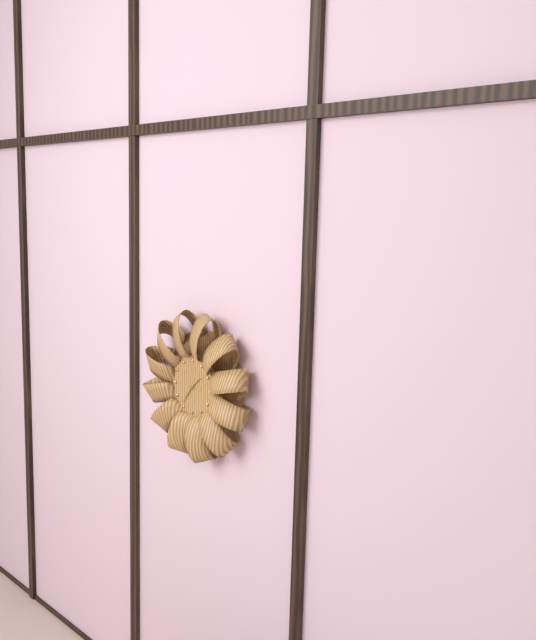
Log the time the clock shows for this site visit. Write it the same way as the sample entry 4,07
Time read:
1,36
